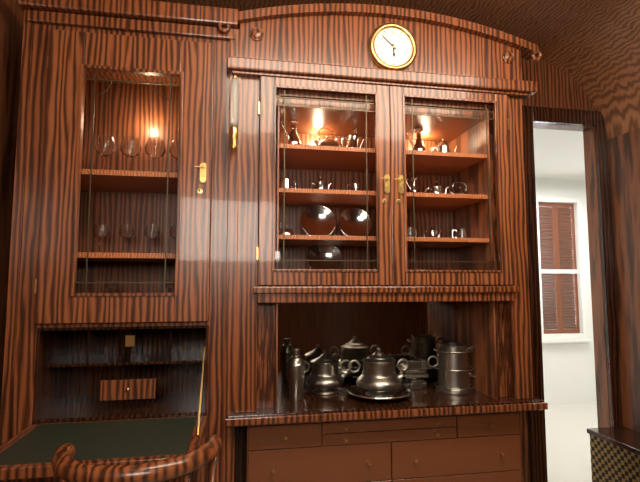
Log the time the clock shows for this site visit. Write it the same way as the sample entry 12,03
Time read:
5,52
